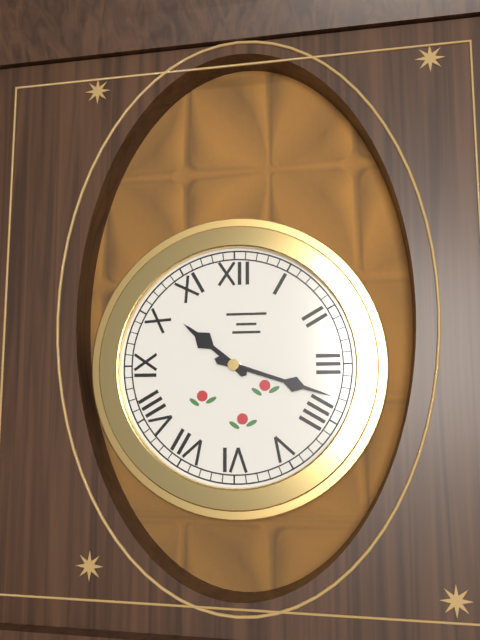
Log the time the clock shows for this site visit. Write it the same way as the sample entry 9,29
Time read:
10,18
